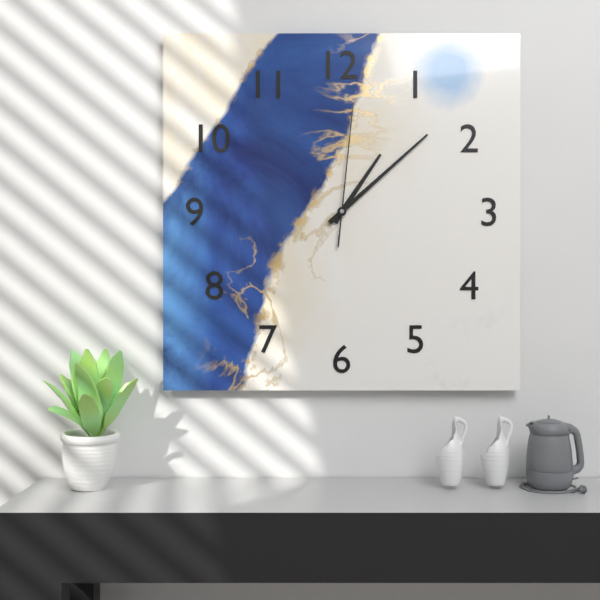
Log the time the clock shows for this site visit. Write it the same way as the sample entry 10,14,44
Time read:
1,08,01
